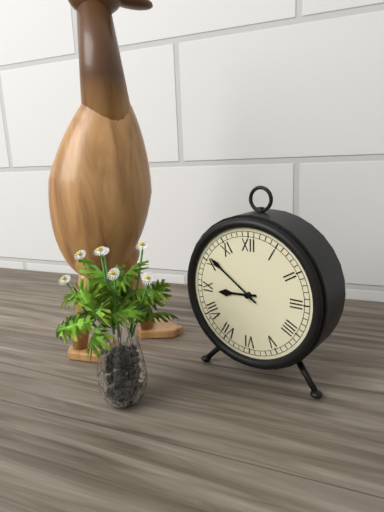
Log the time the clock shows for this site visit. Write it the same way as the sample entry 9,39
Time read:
8,51
